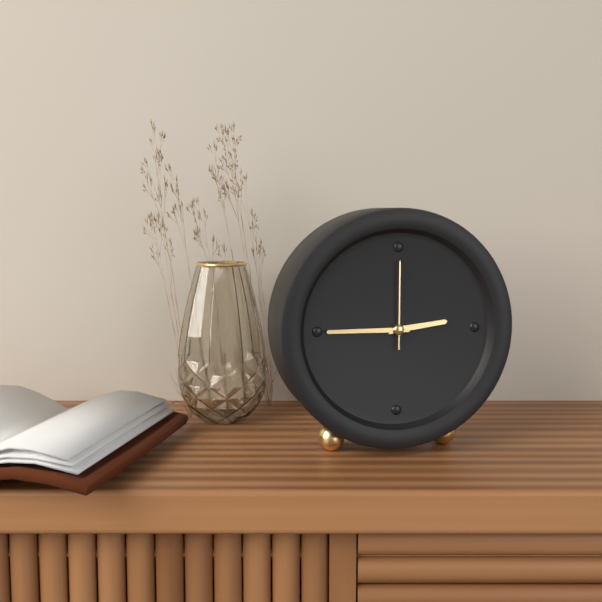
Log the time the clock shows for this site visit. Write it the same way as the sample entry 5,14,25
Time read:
2,45,00
